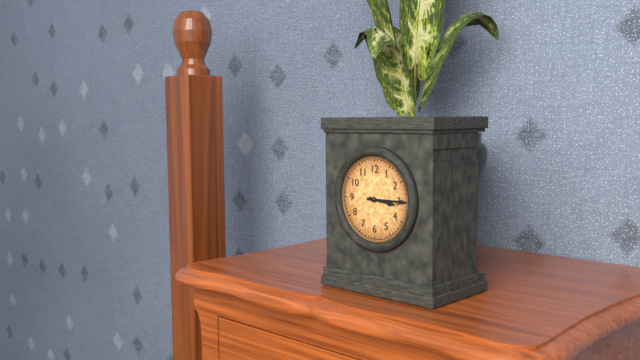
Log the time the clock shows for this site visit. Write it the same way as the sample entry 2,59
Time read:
3,15
